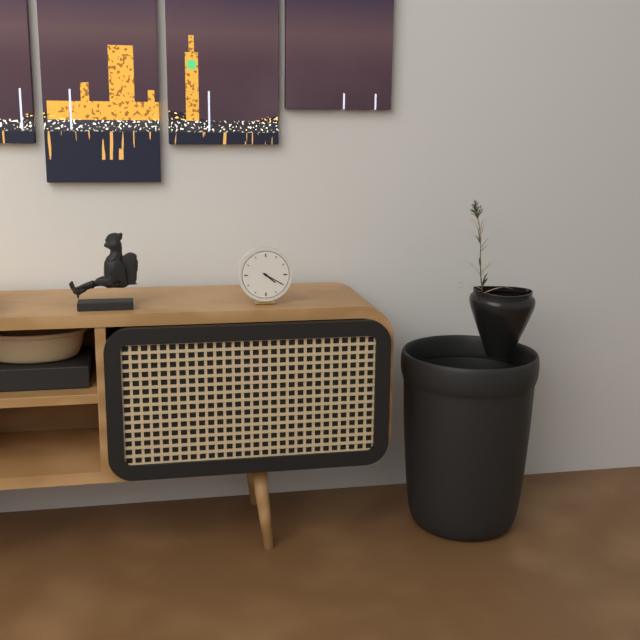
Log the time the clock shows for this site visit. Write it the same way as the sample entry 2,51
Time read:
4,20
